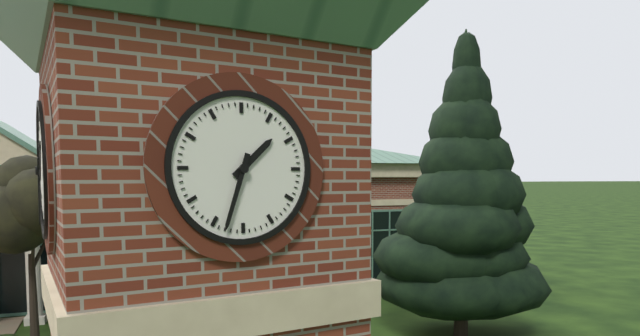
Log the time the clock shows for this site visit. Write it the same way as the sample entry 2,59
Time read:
1,33
